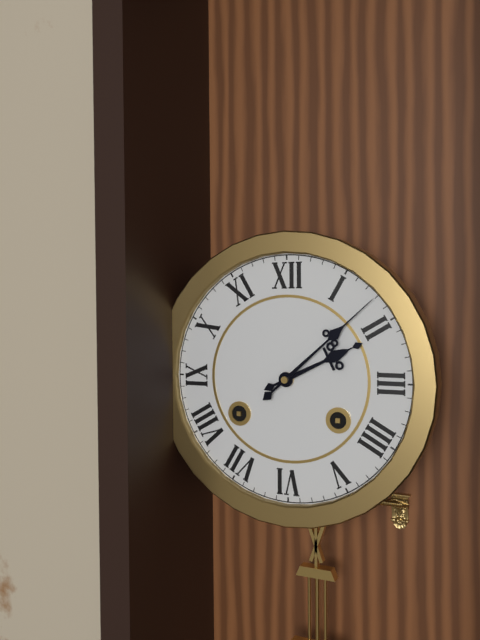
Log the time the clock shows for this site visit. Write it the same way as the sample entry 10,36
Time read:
2,08
